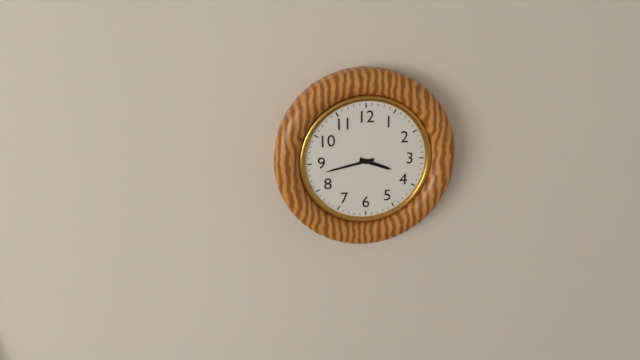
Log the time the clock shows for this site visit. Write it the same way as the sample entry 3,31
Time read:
3,43
